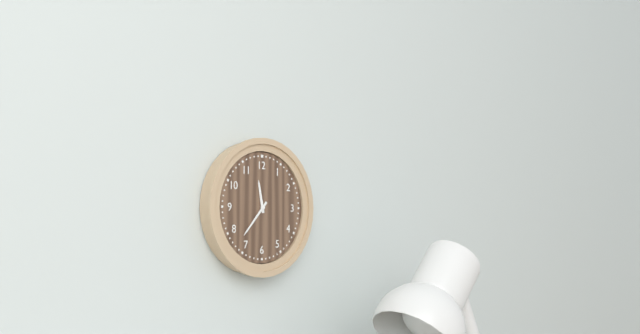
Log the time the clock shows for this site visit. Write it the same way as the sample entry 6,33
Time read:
11,37
